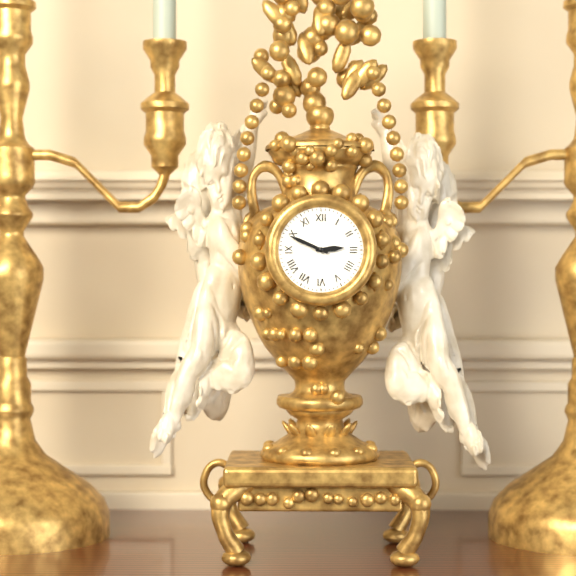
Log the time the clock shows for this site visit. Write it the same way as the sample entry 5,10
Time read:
2,49
